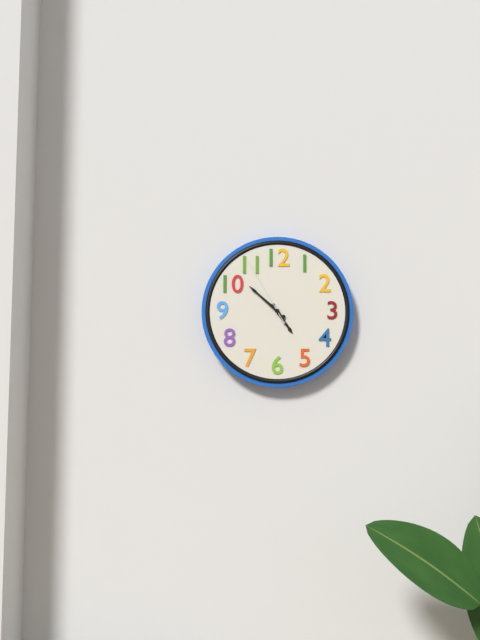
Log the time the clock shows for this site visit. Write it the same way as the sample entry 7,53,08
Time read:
4,52,55
